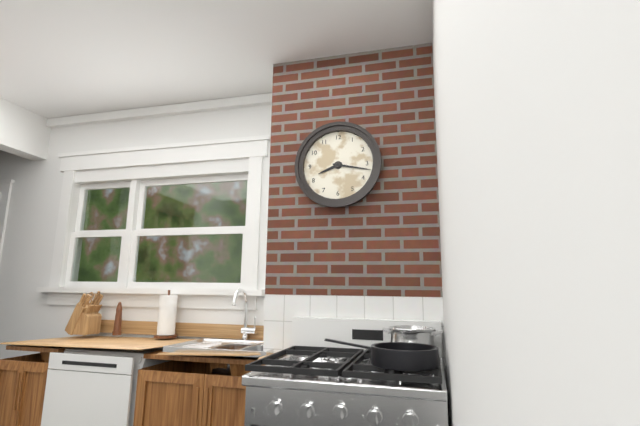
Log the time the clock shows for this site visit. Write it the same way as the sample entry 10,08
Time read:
8,17
